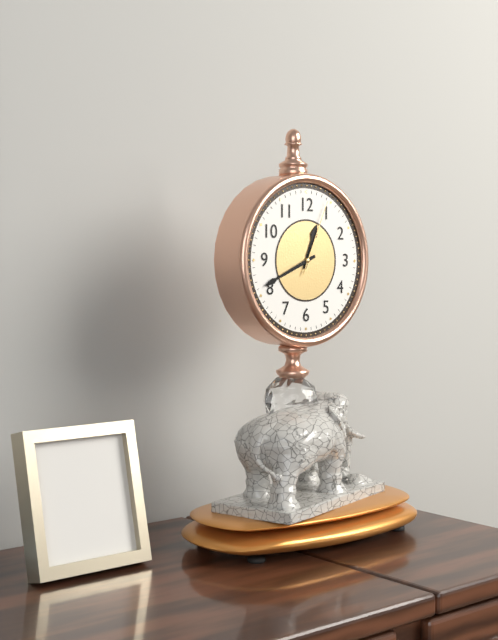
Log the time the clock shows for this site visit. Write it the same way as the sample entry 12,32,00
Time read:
12,41,04
